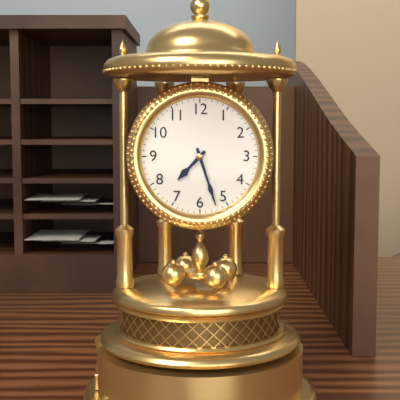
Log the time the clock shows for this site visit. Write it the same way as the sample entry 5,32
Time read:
7,27
